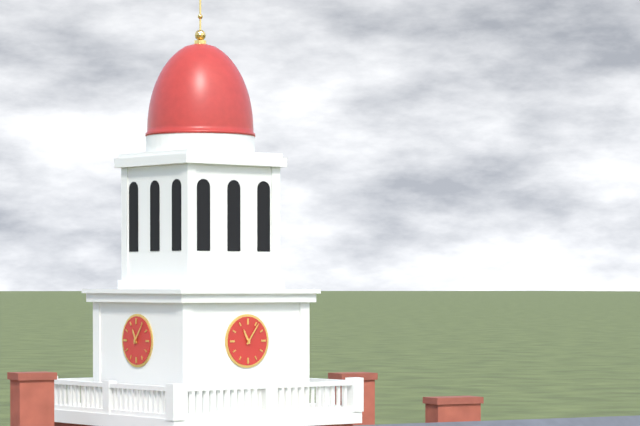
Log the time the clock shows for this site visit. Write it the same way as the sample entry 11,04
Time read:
11,06
